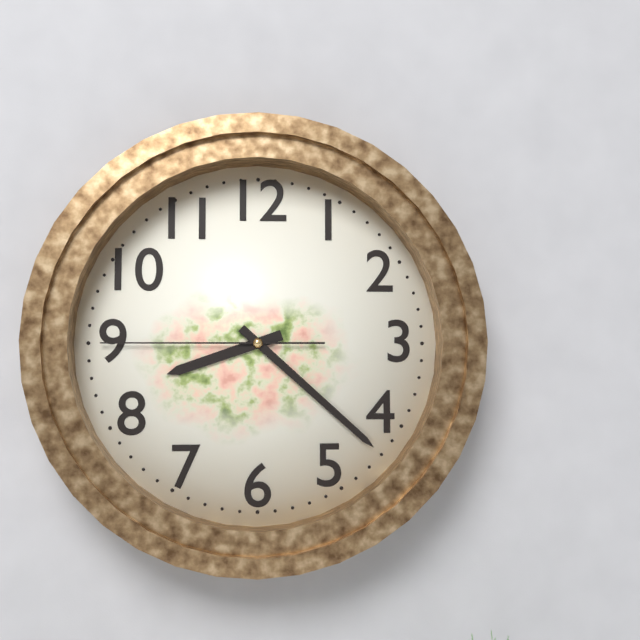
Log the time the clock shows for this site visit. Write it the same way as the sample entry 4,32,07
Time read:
8,22,45
